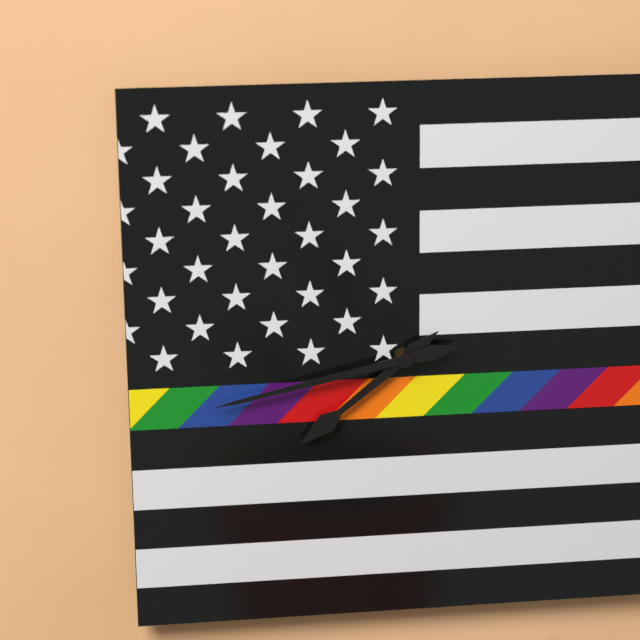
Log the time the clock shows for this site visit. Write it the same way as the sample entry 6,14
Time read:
7,43
